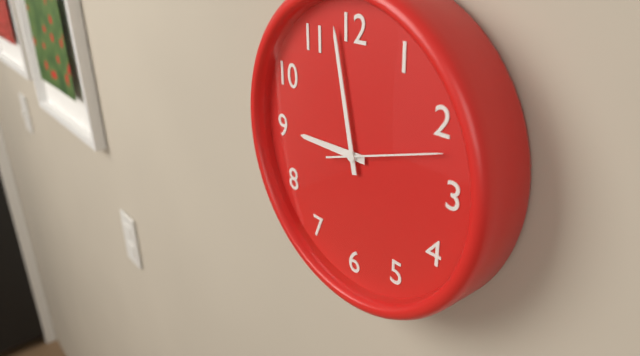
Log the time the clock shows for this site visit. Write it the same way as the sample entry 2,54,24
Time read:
8,58,12
